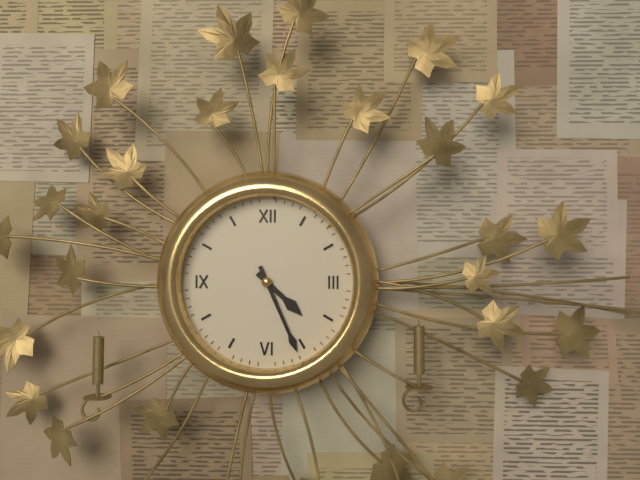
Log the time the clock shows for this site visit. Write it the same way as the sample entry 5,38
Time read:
4,26
